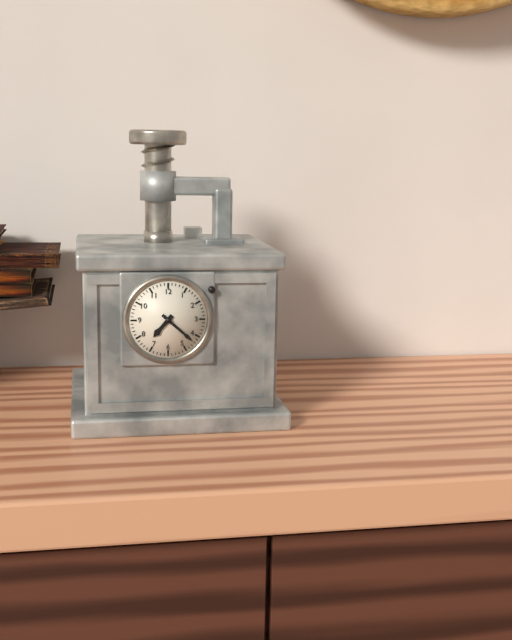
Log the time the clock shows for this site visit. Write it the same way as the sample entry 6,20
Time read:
7,22
